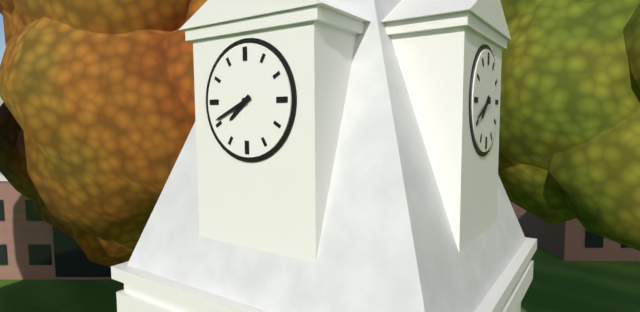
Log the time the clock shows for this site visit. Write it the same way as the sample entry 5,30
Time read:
7,41
